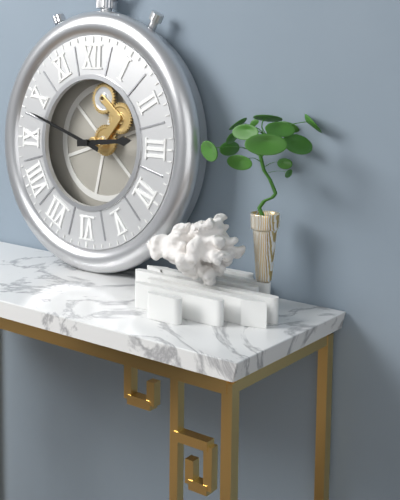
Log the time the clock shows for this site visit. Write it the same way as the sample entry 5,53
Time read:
2,48
